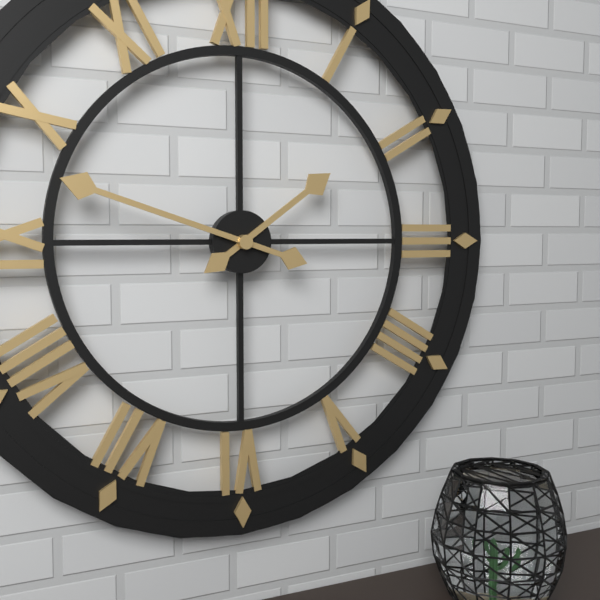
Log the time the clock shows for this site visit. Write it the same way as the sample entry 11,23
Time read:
1,48
